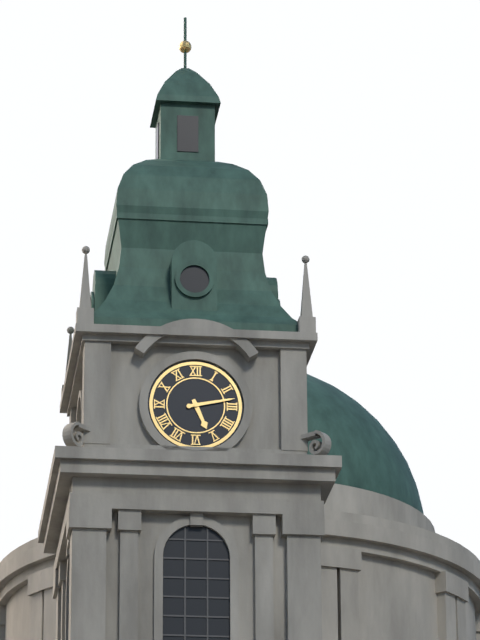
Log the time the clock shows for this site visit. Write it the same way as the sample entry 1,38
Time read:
5,13
